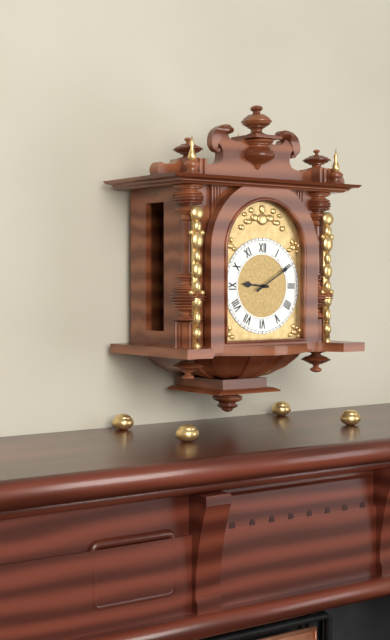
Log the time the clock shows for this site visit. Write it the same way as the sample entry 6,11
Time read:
9,10
